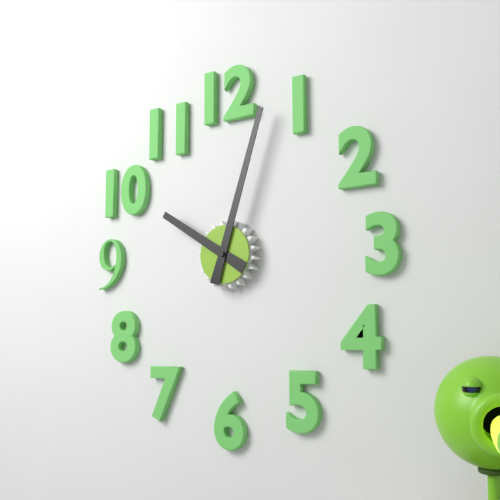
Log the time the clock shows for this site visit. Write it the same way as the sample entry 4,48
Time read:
10,03
